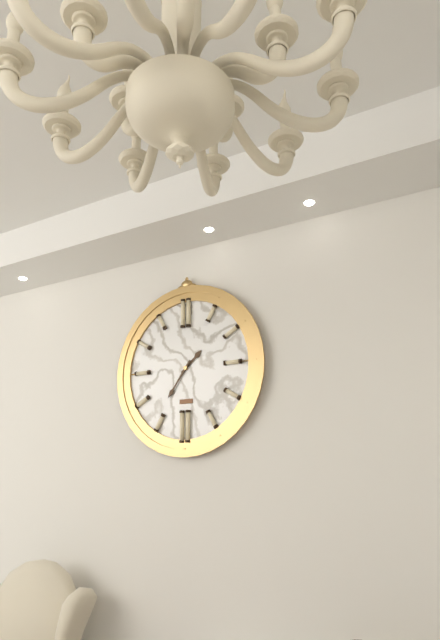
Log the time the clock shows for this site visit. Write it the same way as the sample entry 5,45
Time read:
1,36
